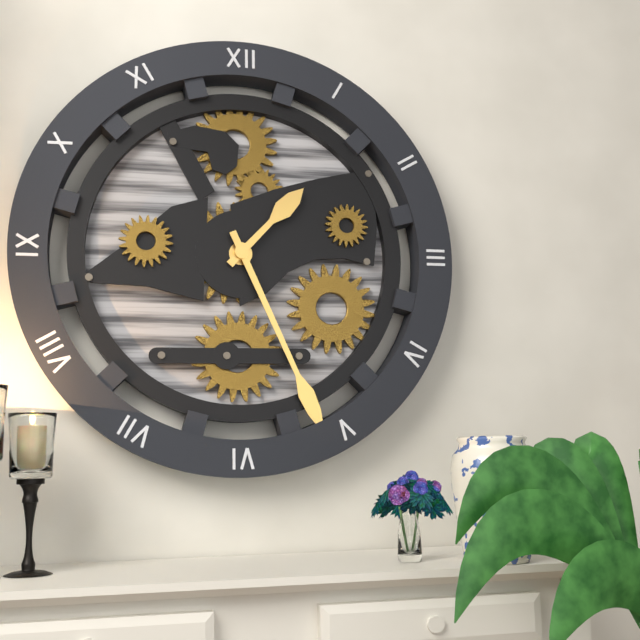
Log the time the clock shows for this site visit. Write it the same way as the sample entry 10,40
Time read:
1,26
